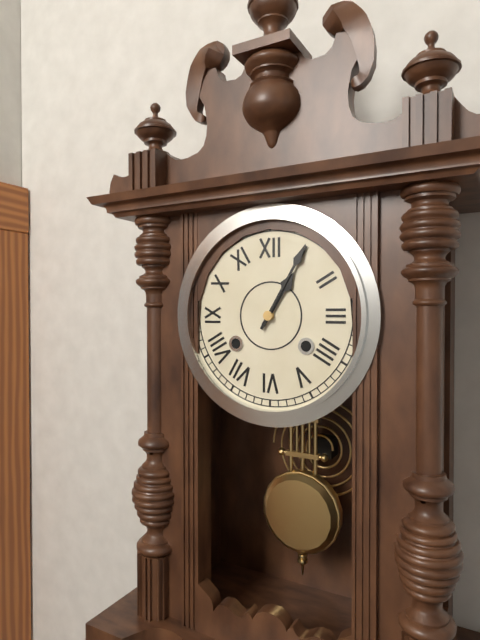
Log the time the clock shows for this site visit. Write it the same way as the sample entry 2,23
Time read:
1,05
